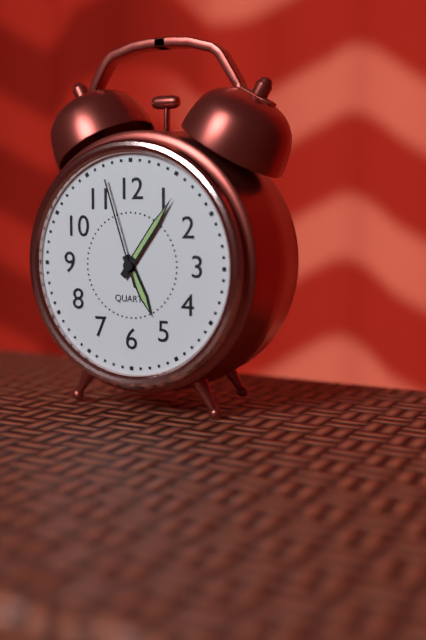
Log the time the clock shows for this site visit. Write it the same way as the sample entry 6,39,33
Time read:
5,06,57
